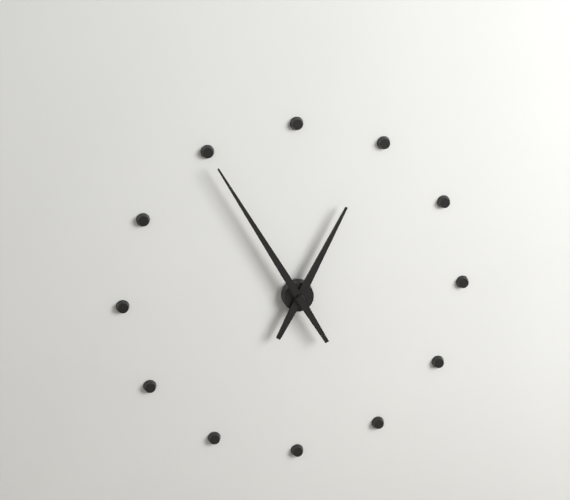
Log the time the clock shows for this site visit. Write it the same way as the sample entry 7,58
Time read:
12,55
